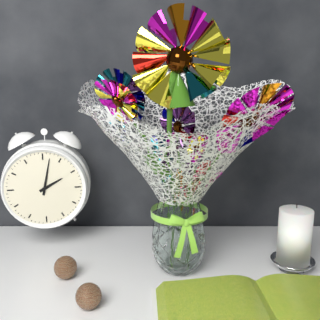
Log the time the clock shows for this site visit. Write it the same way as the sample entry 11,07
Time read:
2,02
